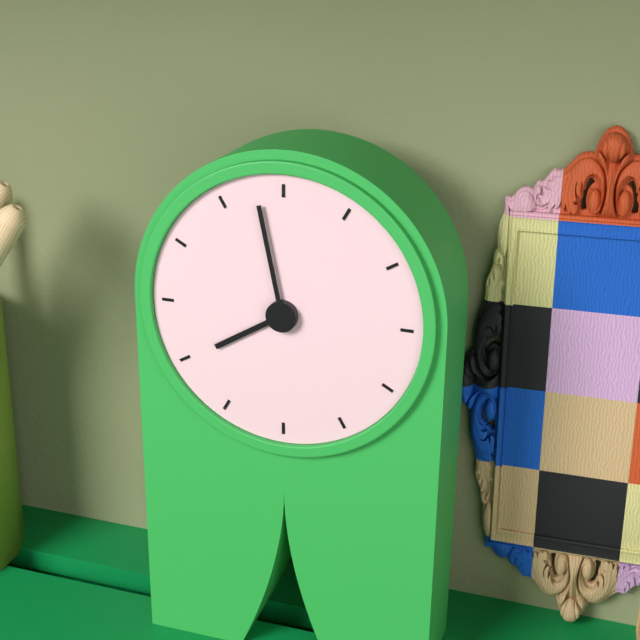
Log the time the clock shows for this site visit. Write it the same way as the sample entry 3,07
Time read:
7,58
